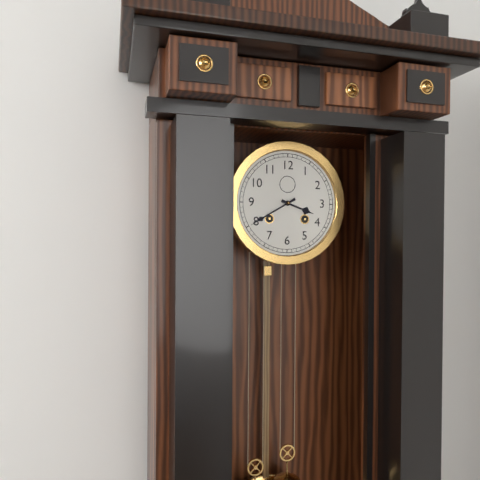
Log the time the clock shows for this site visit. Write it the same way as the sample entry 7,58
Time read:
3,40
